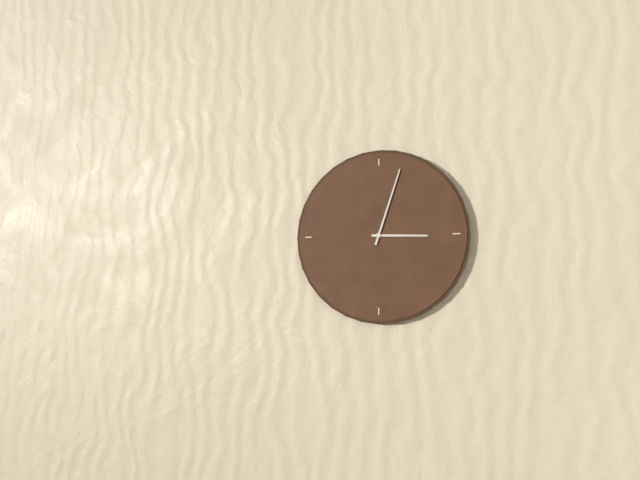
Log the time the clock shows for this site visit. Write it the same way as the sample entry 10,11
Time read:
3,03
